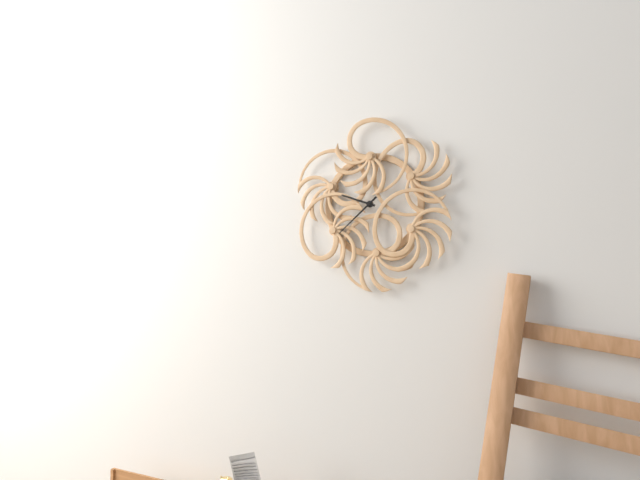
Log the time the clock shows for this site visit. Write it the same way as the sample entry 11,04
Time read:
9,38
